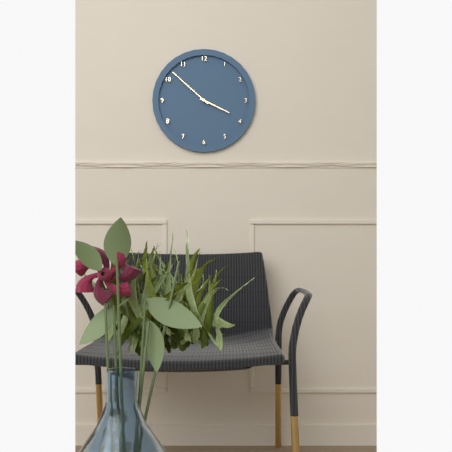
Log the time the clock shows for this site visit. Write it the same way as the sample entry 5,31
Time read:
3,52
